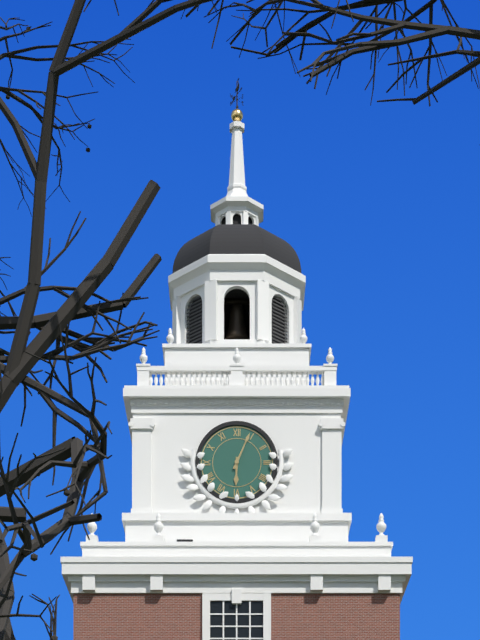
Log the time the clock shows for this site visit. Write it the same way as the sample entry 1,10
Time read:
6,04
